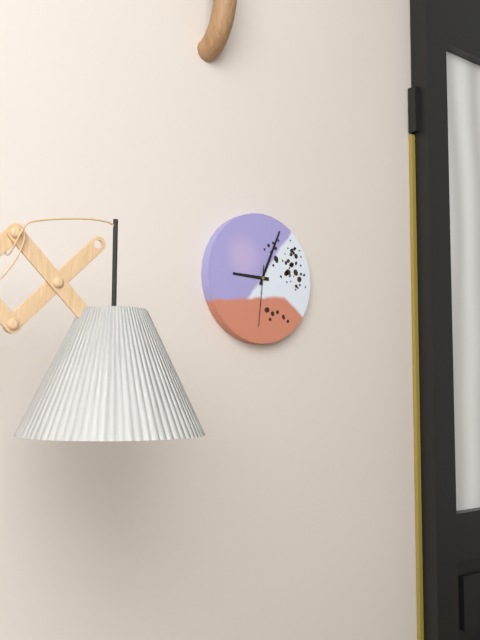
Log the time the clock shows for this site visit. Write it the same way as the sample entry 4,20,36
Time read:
9,04,31
